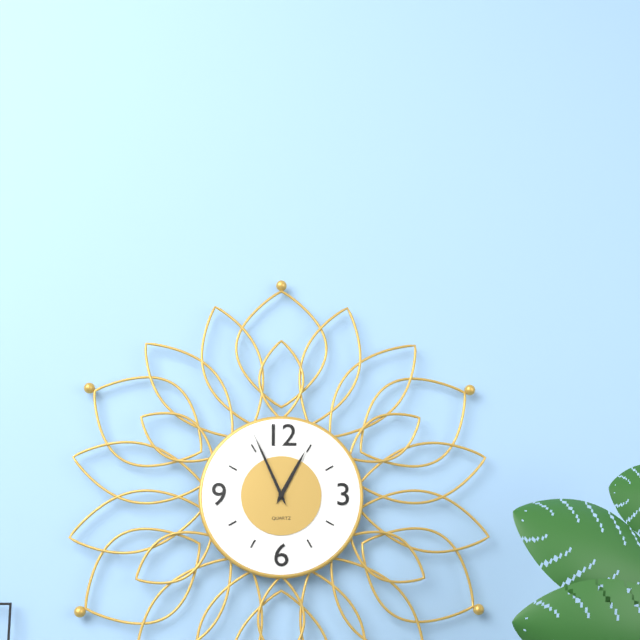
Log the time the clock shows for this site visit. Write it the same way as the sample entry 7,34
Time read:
12,56
